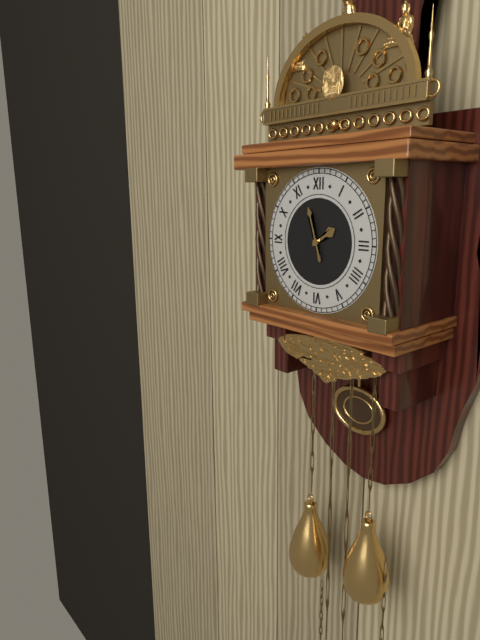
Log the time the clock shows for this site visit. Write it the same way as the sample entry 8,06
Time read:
1,57
